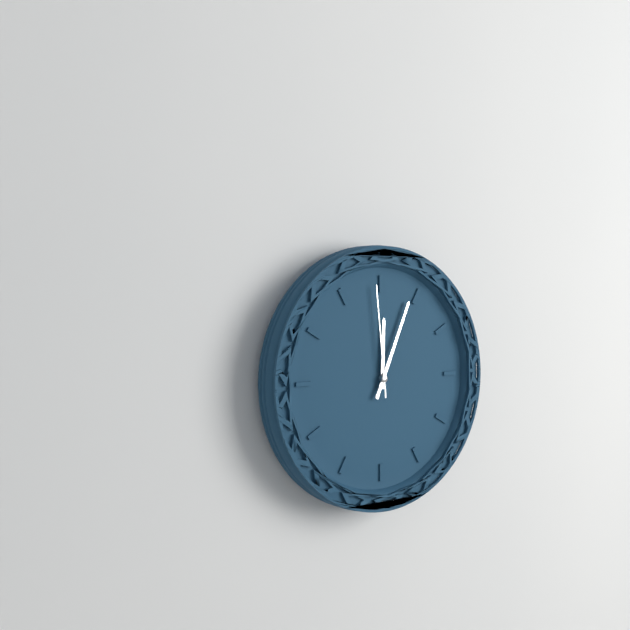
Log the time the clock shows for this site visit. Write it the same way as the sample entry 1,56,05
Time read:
12,04,59
